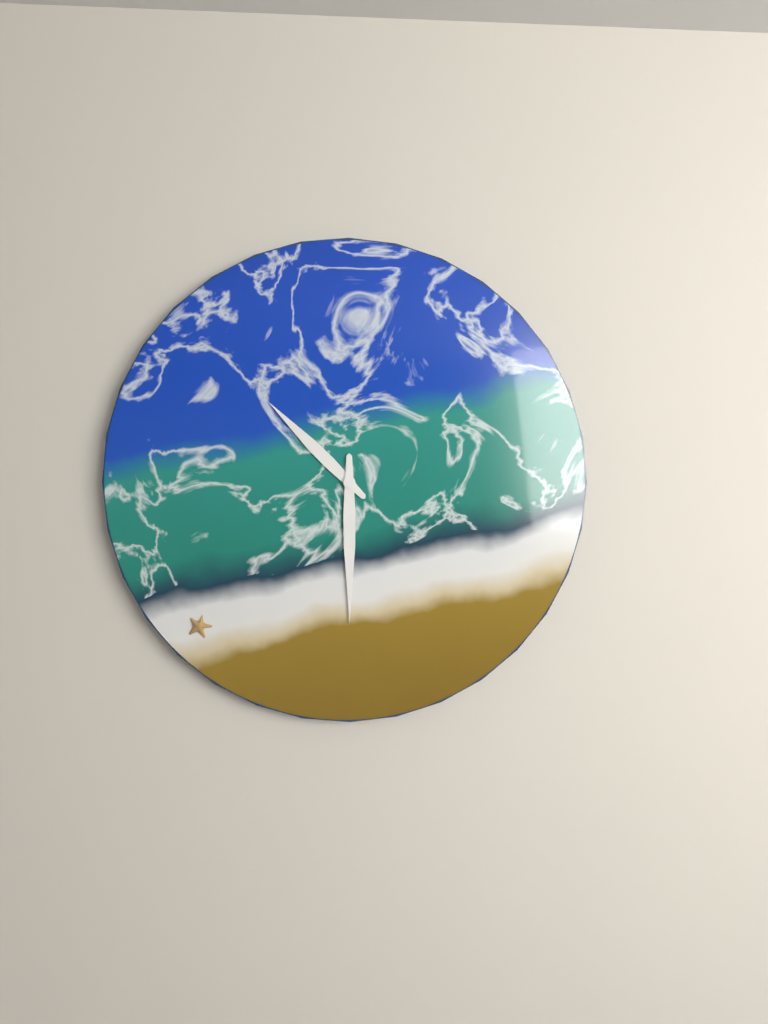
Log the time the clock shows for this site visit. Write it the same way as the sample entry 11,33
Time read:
10,30
